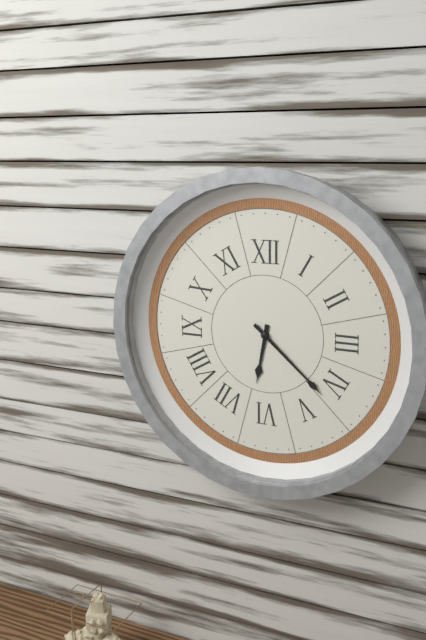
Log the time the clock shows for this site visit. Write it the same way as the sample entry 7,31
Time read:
6,22
